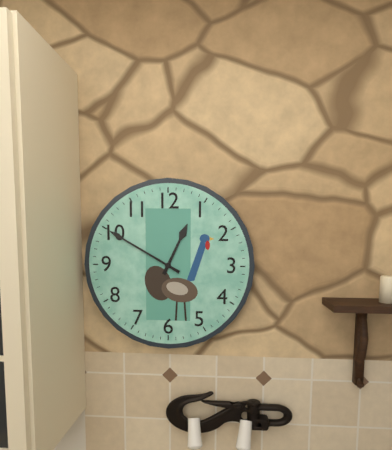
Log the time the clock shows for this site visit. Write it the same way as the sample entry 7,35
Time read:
12,50
